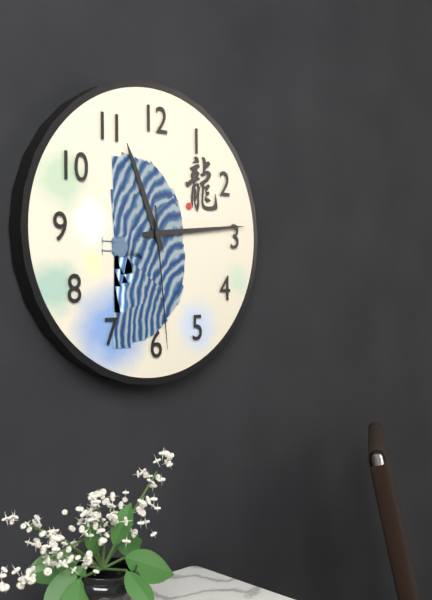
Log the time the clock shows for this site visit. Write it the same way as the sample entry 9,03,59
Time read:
11,14,29
